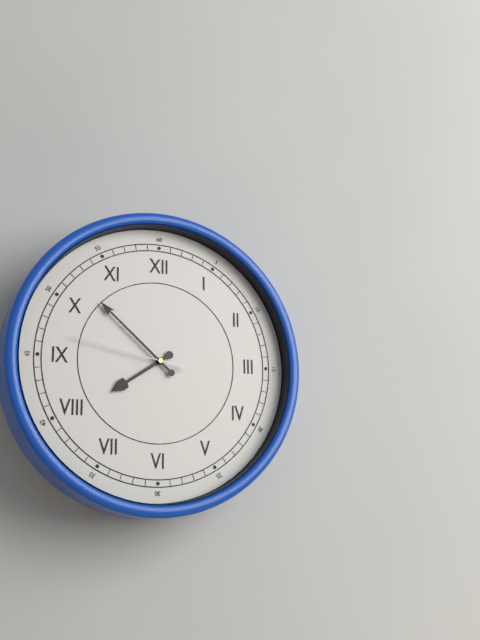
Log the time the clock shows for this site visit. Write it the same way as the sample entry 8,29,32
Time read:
7,52,47
